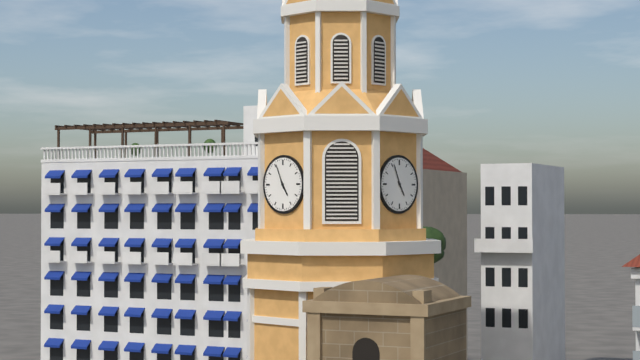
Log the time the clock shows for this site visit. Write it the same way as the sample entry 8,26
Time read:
4,56
